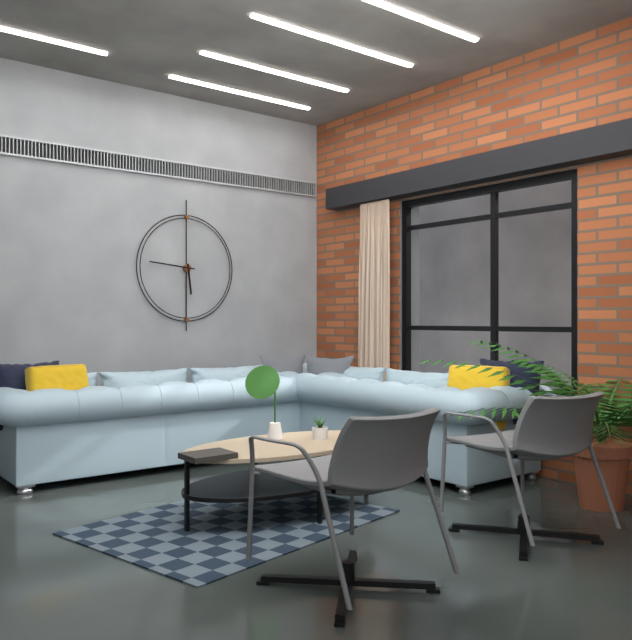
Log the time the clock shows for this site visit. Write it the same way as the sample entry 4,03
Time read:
5,46
